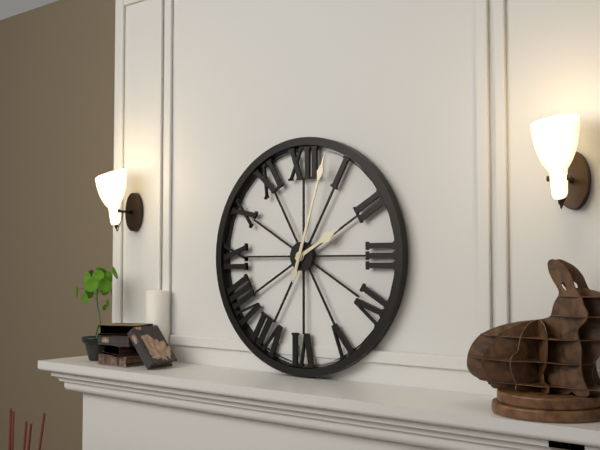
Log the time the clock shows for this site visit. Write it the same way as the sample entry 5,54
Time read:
2,03
